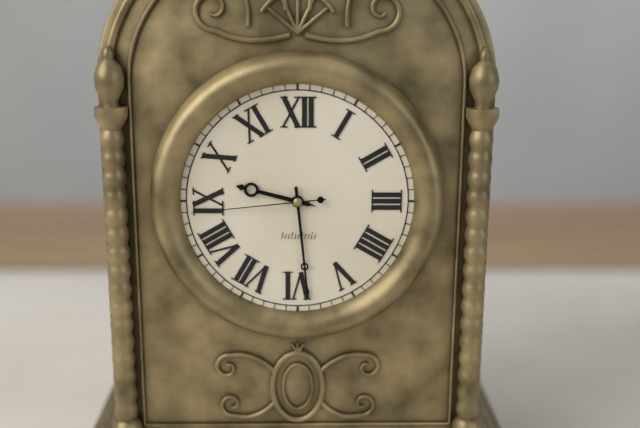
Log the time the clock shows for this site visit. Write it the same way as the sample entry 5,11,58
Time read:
9,29,44
